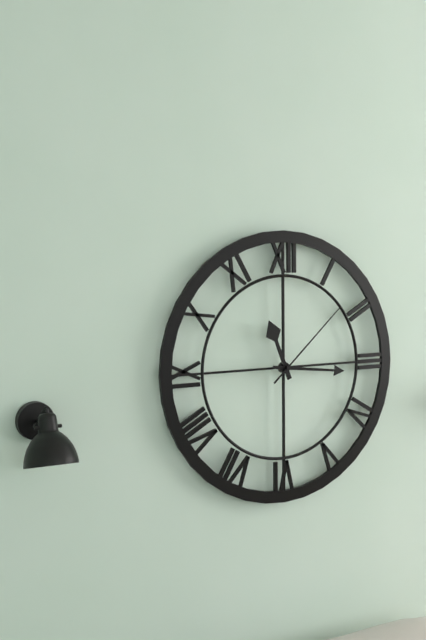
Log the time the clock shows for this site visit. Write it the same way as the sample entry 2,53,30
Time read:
11,16,08
